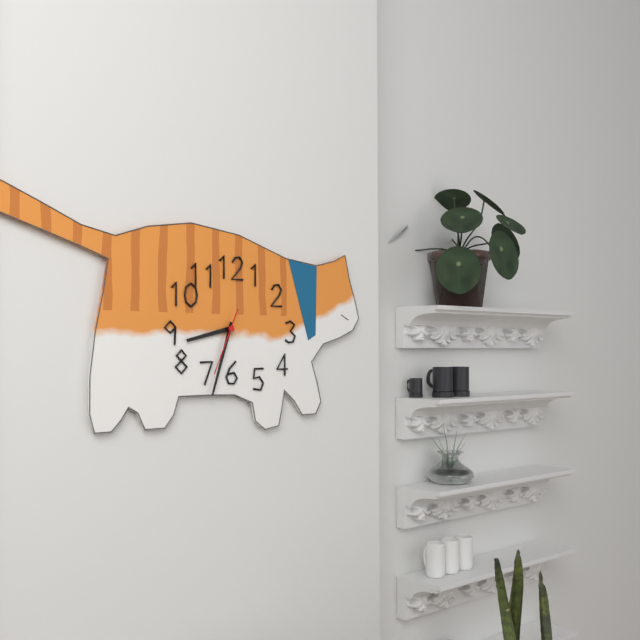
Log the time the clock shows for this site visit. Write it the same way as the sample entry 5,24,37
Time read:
8,33,34
